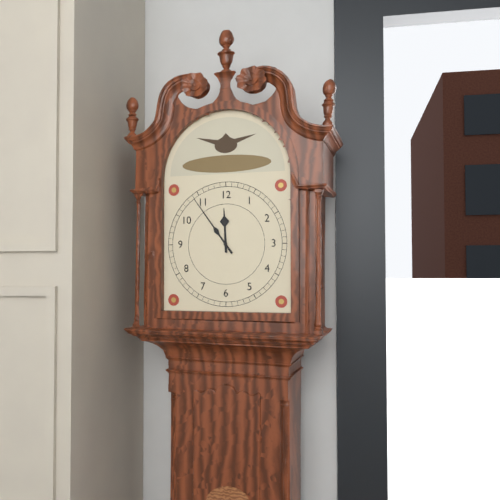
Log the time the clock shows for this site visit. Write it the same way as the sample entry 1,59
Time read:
11,54
